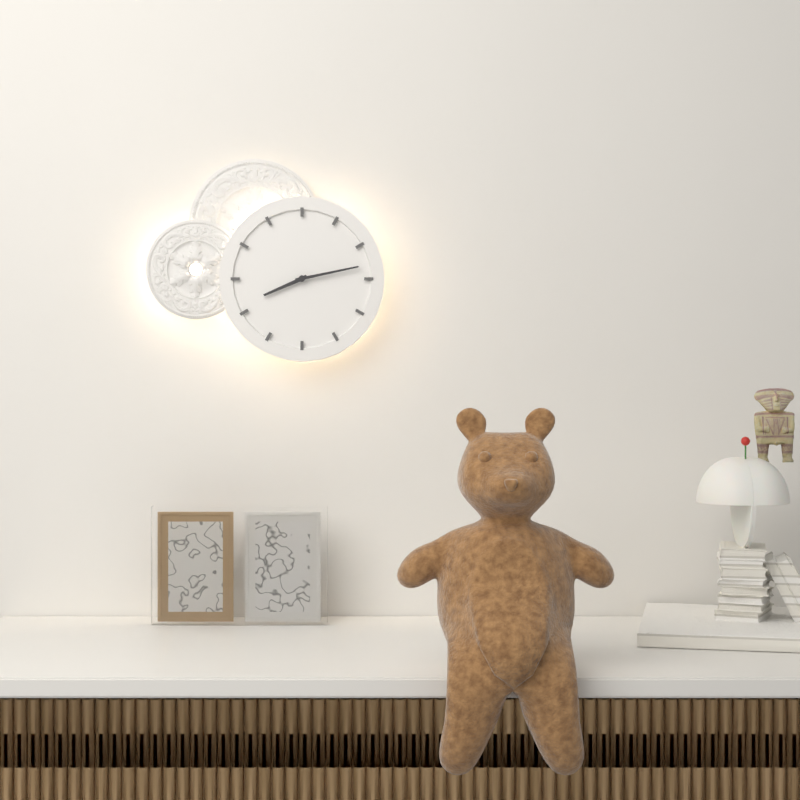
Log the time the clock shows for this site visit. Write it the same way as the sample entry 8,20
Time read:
8,13
